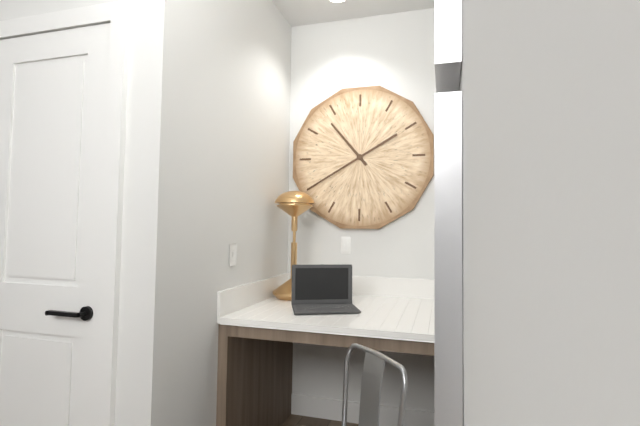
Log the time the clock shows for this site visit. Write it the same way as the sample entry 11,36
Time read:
10,40
